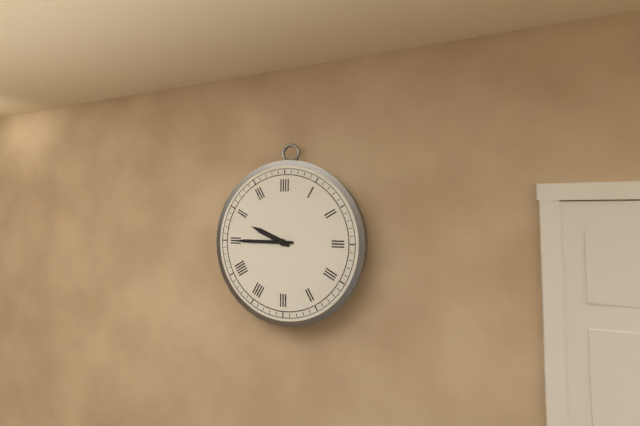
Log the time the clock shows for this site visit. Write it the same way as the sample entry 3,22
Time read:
9,45
